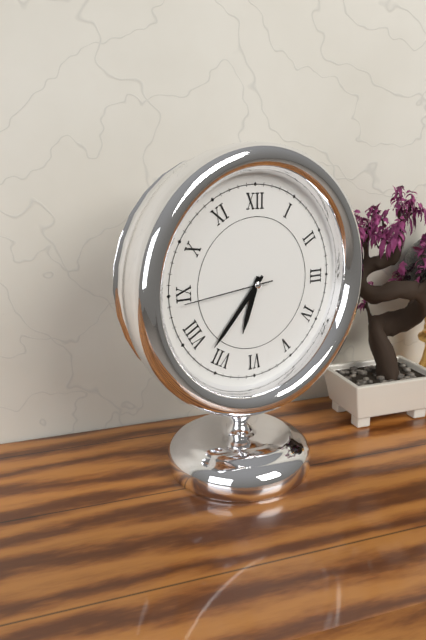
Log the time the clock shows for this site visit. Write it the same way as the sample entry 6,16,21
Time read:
6,37,44
